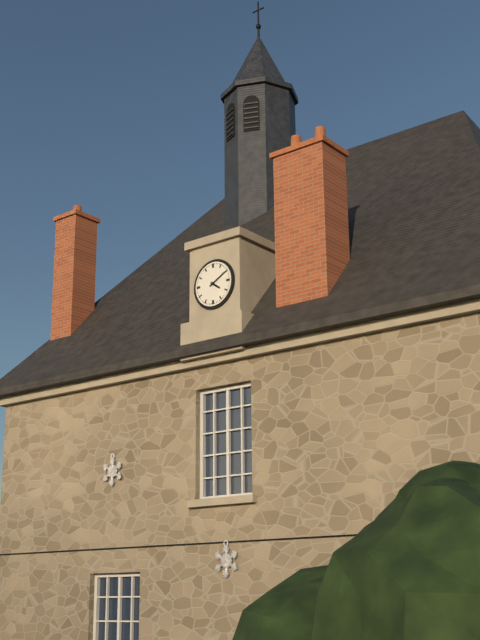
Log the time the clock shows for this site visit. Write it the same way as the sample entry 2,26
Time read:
4,10
